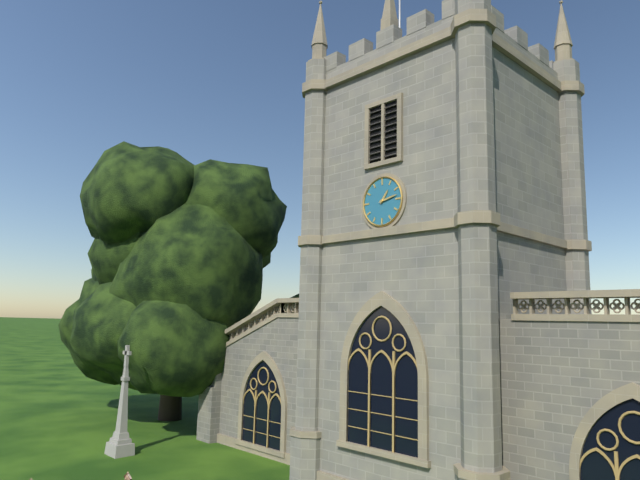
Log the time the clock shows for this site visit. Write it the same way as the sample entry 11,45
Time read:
1,13
